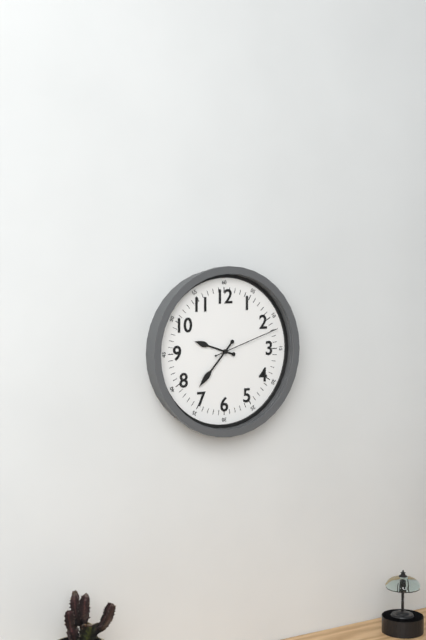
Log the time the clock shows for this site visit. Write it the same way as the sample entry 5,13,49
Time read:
9,37,12
